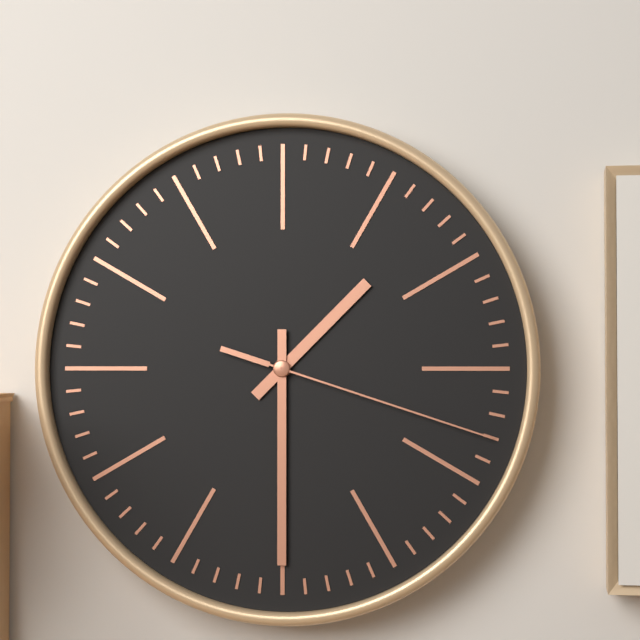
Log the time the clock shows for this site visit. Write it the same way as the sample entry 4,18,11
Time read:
1,30,18
